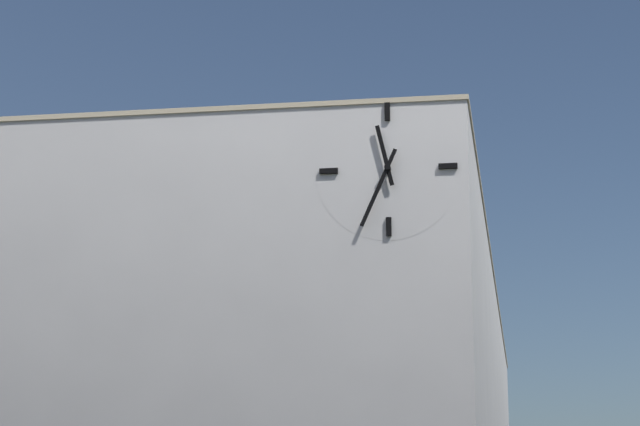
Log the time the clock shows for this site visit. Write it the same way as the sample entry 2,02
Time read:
11,34
